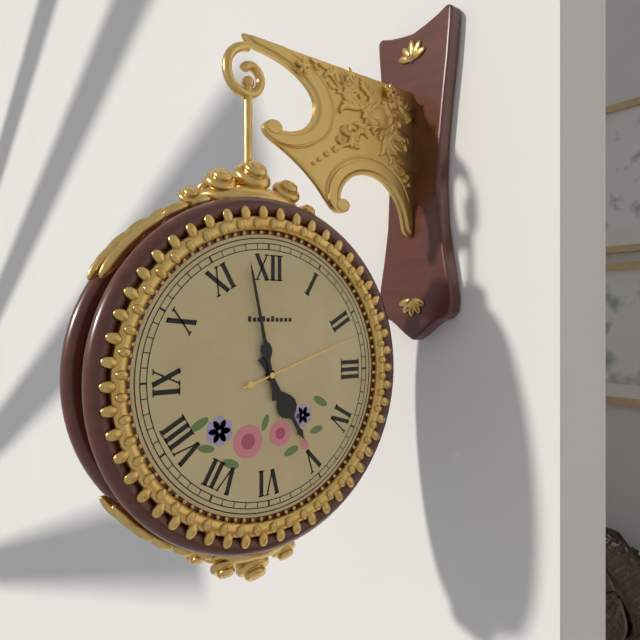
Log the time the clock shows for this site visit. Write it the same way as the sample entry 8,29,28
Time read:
4,58,12
